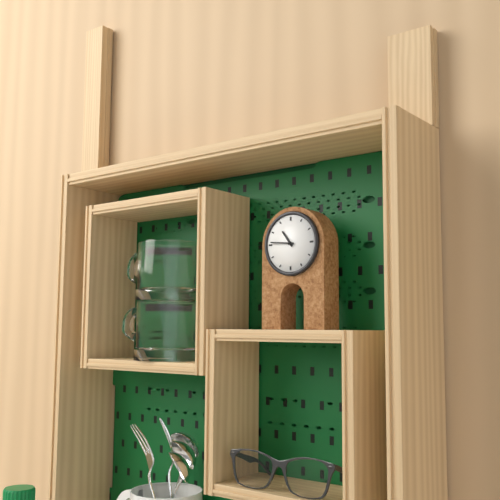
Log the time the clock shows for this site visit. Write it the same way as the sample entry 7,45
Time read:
10,46
